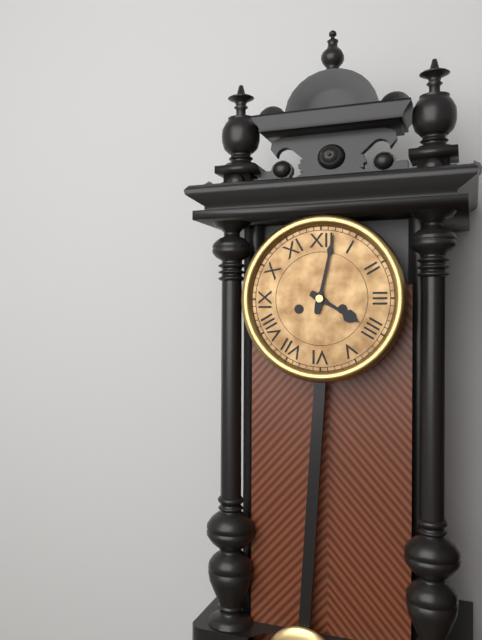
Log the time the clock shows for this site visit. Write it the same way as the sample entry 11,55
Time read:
4,02
